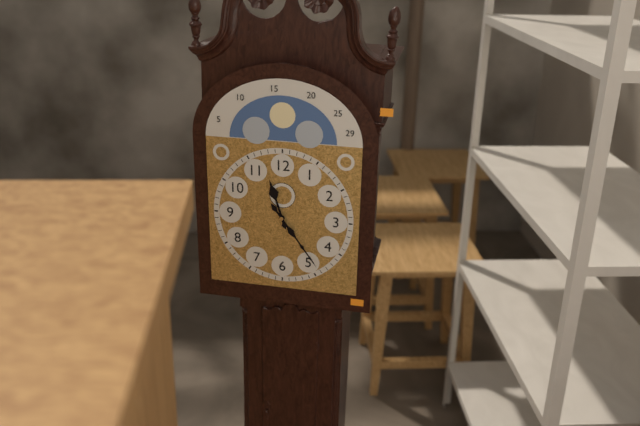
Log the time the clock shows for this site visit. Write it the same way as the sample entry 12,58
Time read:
11,24
